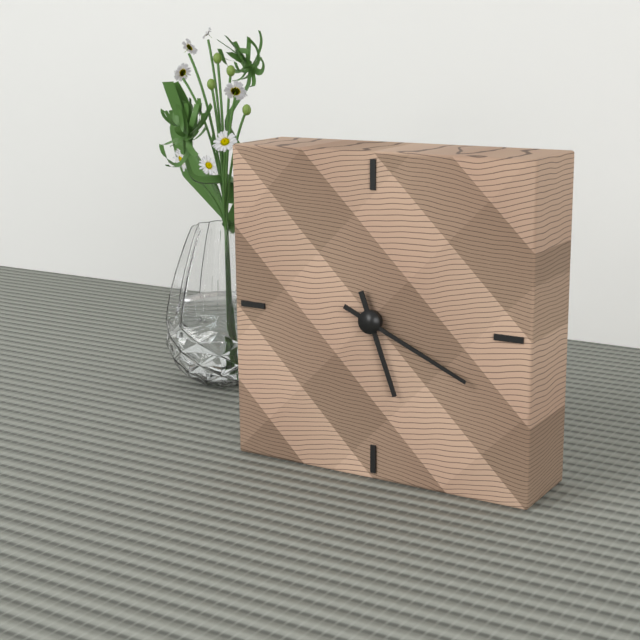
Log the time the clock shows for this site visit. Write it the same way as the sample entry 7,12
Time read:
5,19
